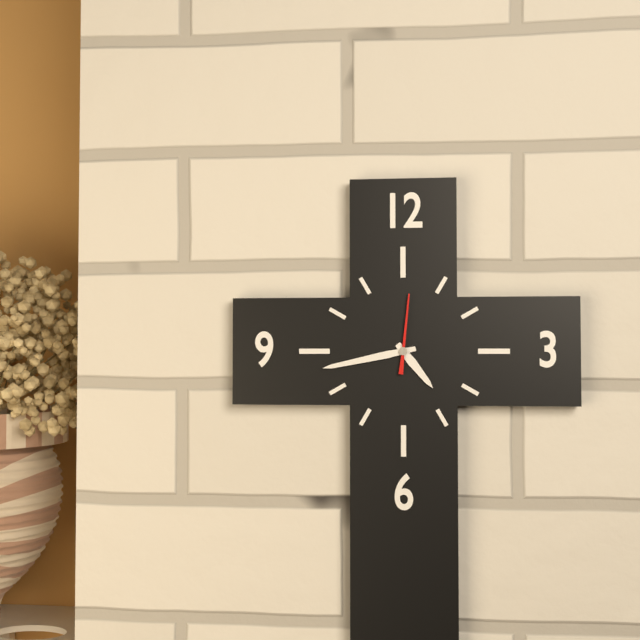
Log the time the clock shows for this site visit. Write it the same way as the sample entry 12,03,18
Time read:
4,43,01
